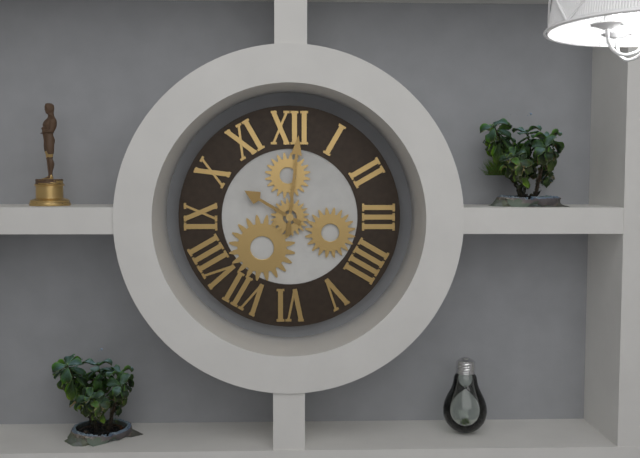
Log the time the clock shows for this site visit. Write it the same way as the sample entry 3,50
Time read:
10,01
